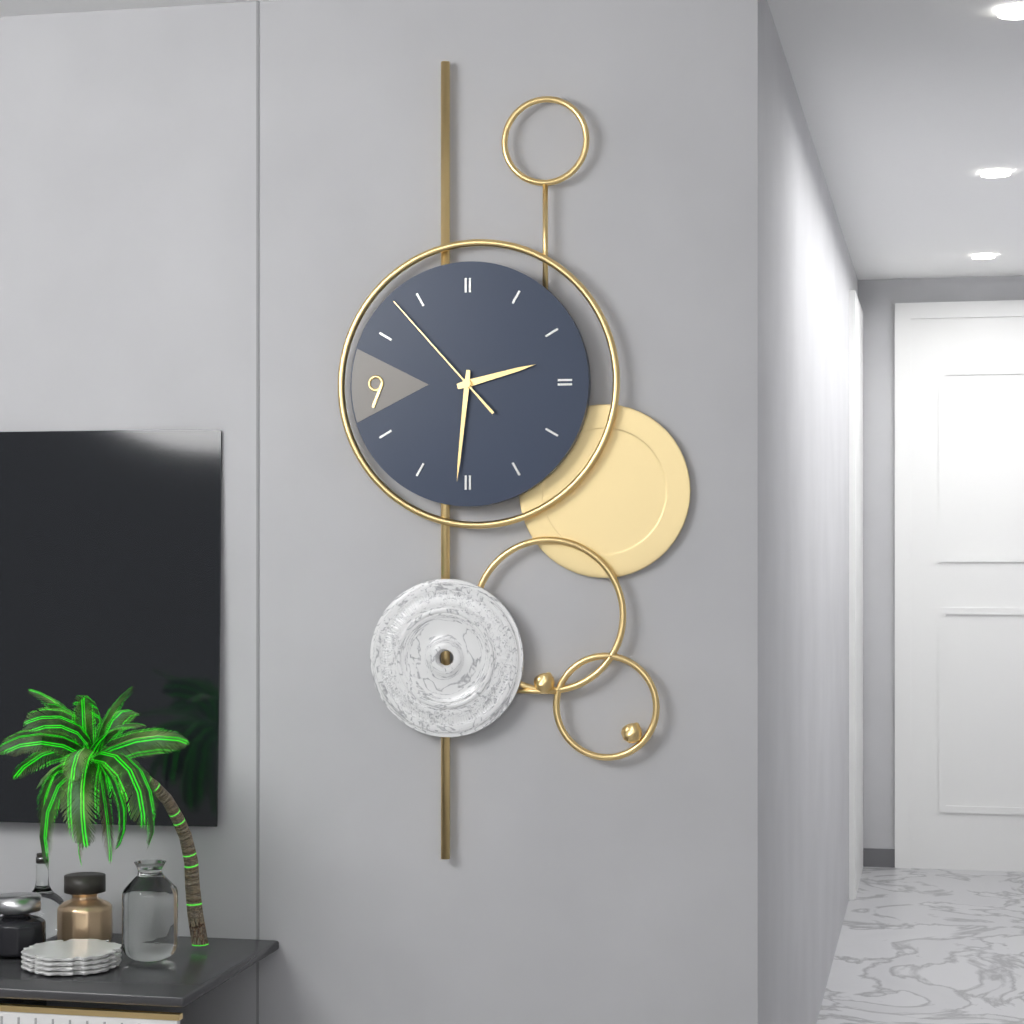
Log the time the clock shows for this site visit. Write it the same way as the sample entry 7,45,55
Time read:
2,31,53
